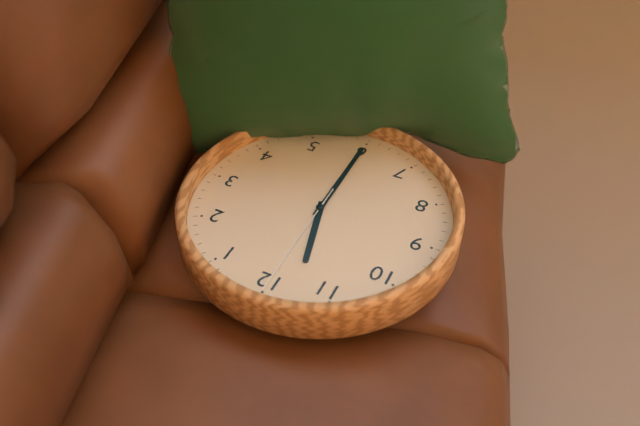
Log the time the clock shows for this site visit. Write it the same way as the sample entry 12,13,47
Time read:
11,30,00
